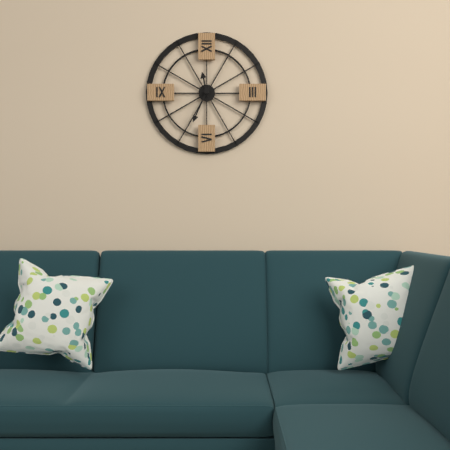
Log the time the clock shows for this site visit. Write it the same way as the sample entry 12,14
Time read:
11,34
